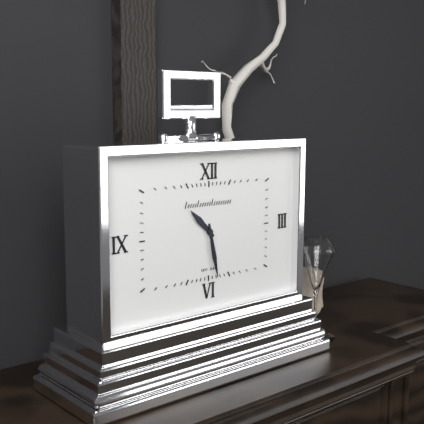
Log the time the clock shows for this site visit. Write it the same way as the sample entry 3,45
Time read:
10,28
